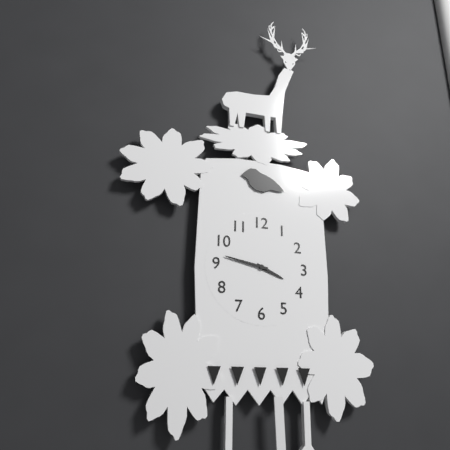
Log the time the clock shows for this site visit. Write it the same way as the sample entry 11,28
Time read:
3,47
